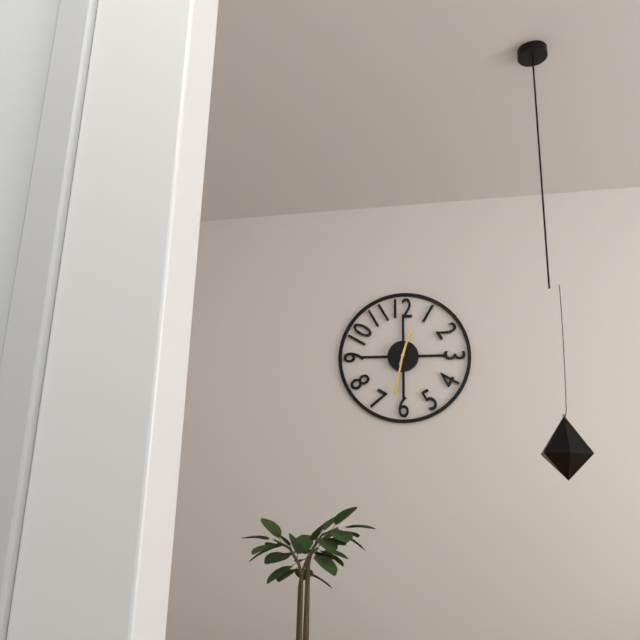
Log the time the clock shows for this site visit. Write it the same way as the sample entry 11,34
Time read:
12,32
